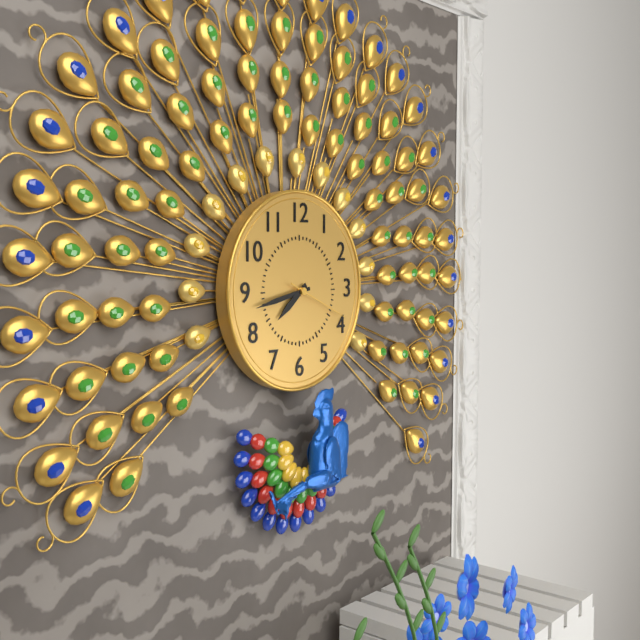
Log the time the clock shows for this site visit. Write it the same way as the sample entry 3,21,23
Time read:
7,43,19
